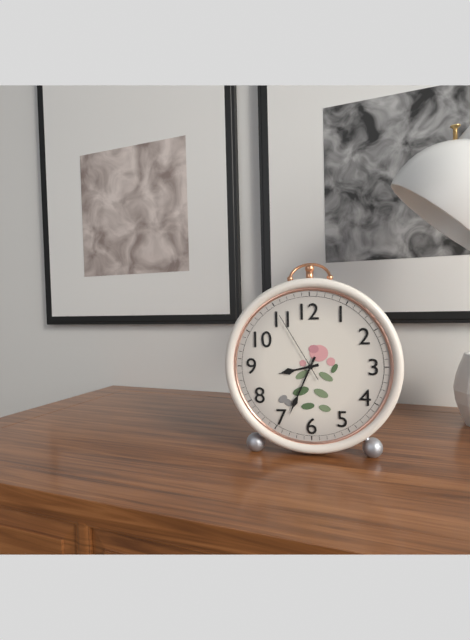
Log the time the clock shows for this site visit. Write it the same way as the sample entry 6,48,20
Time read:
8,34,55
